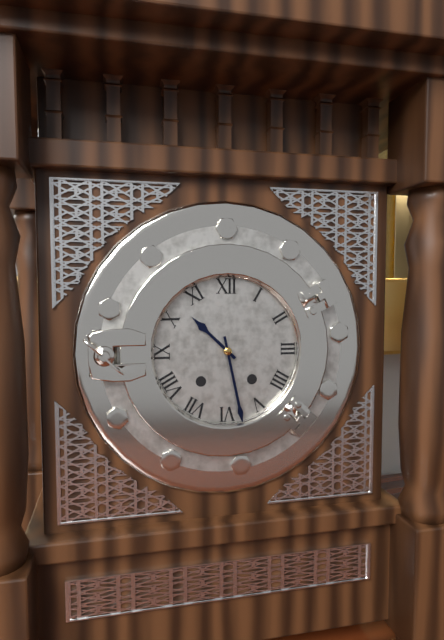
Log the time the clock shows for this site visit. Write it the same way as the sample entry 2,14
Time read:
10,28
